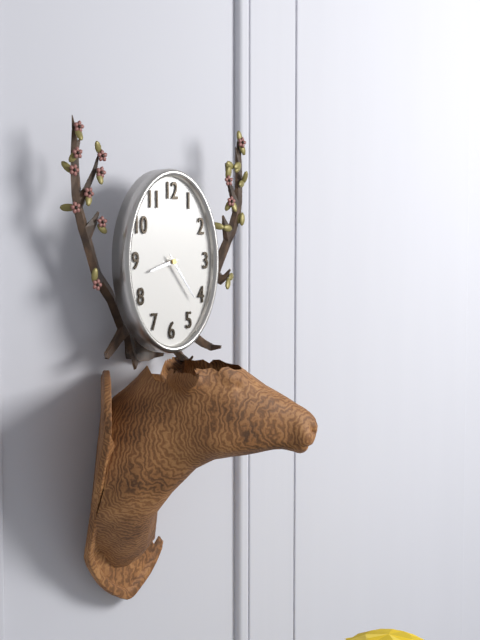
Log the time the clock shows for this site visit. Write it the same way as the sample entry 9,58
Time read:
8,24
